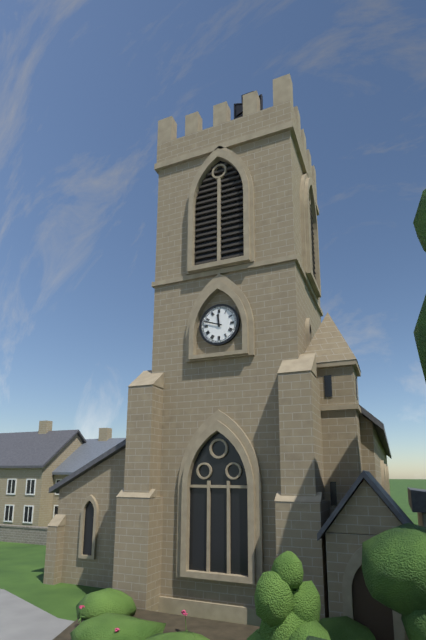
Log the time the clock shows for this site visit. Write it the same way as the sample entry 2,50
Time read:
11,48
